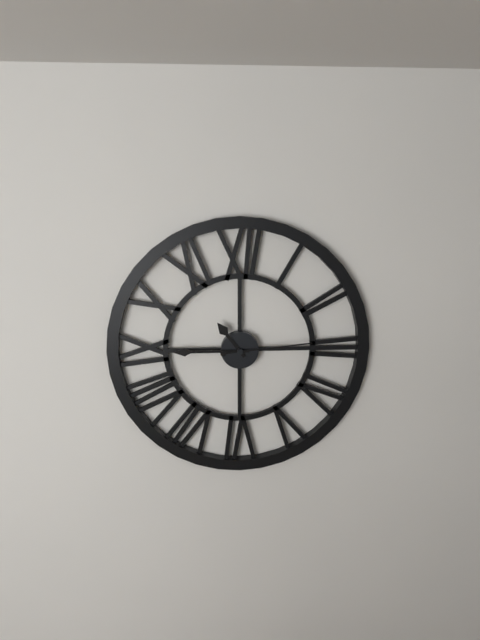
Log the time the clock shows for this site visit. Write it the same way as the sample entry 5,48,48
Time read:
10,45,14
